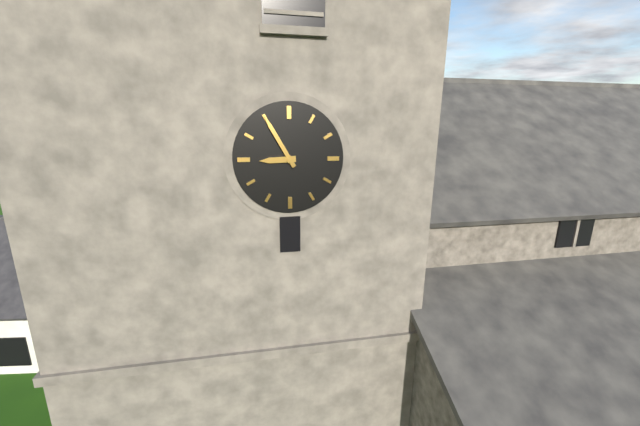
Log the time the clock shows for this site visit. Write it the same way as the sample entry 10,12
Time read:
8,55
